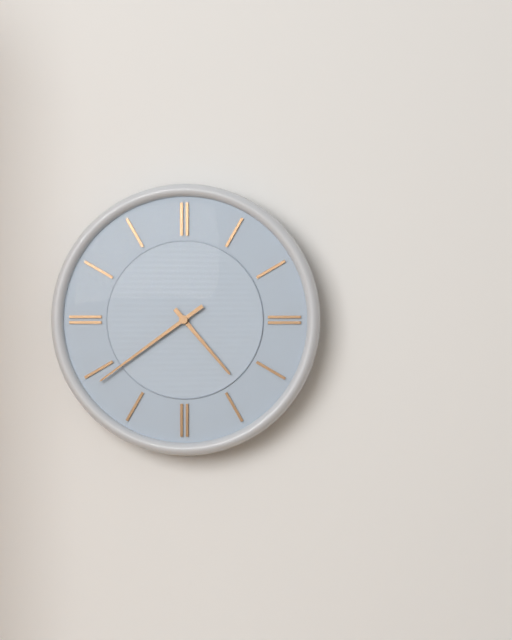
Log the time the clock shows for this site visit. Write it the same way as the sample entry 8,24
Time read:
4,39
